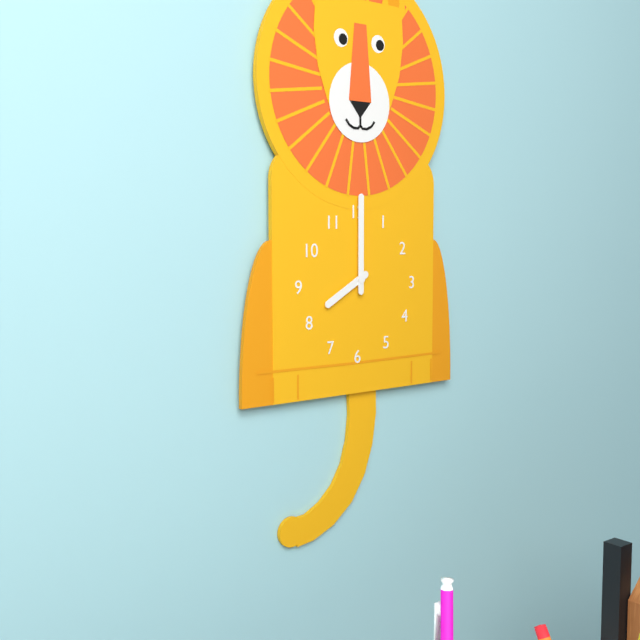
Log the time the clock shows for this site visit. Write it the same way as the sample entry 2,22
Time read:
8,00
